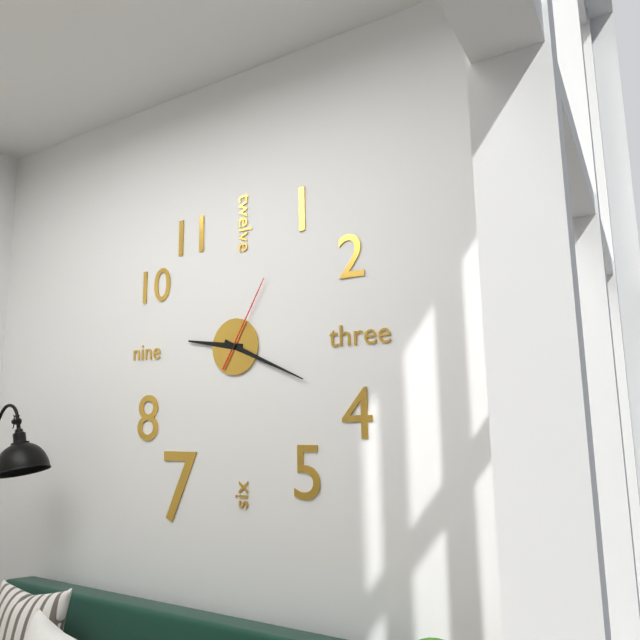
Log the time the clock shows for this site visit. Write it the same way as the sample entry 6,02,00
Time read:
9,19,05
